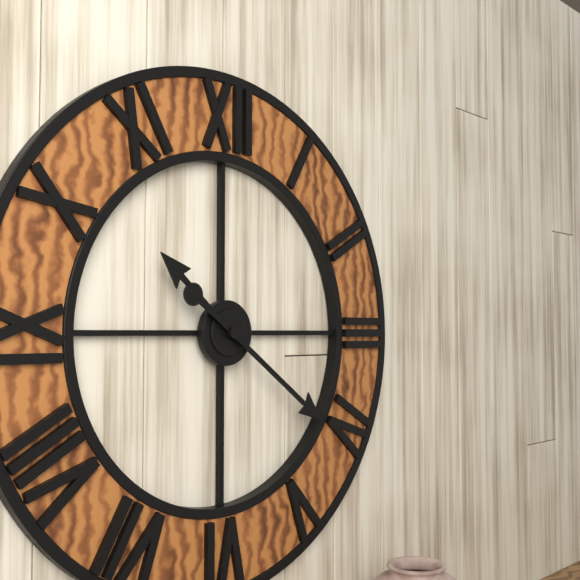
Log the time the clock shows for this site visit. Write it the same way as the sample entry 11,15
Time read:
10,21
